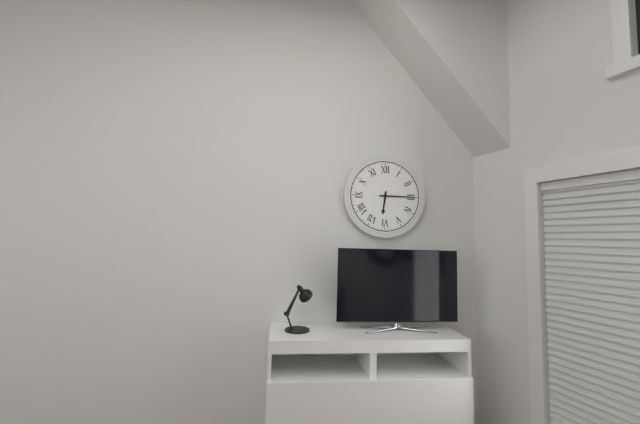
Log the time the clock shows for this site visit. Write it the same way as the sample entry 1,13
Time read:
6,15
